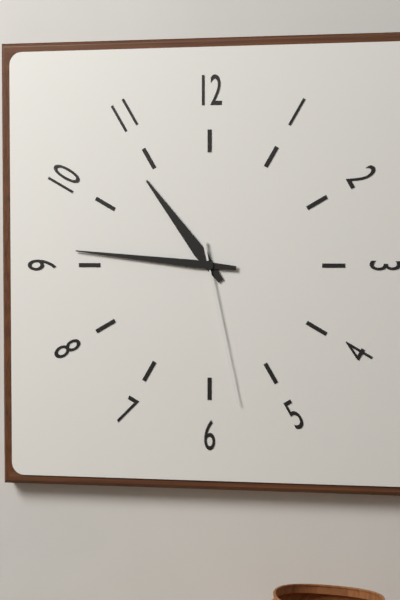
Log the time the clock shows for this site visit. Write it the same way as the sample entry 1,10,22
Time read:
10,46,28
